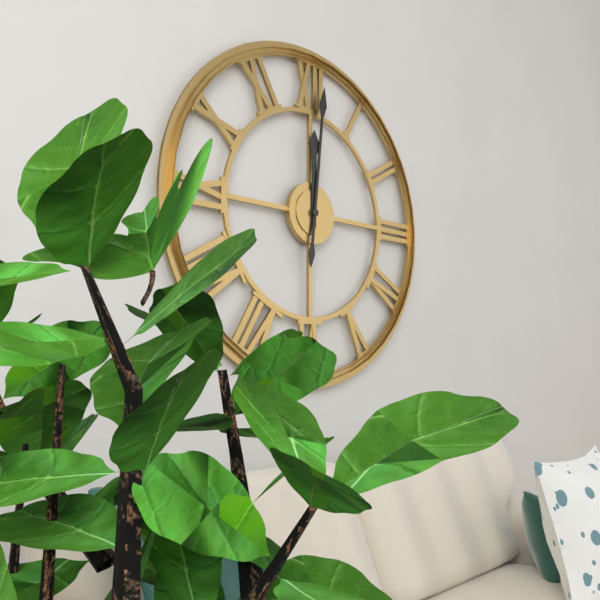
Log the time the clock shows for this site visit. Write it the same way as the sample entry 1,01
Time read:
12,01
